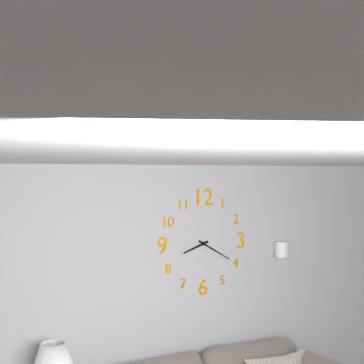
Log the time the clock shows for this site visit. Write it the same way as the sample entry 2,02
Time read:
8,20
